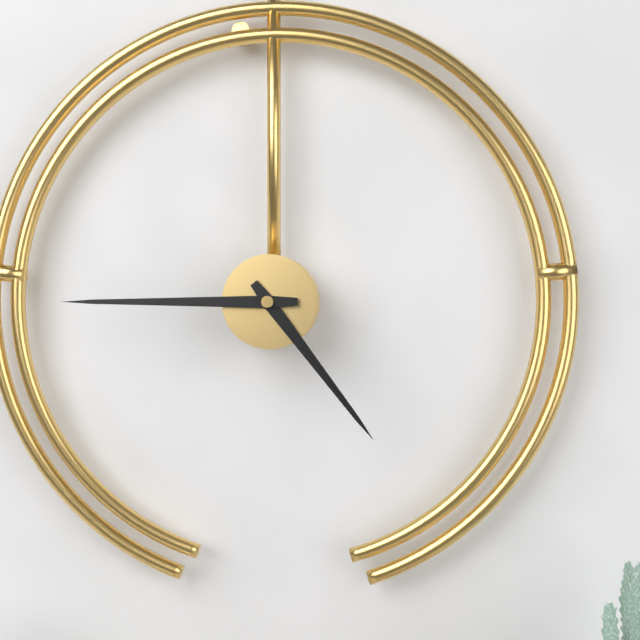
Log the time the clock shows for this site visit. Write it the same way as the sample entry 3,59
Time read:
4,45
